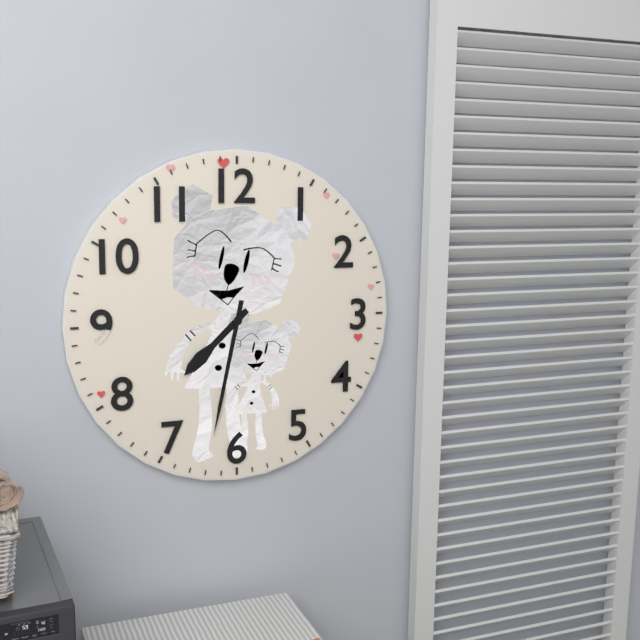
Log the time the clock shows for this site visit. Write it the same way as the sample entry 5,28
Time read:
7,32
